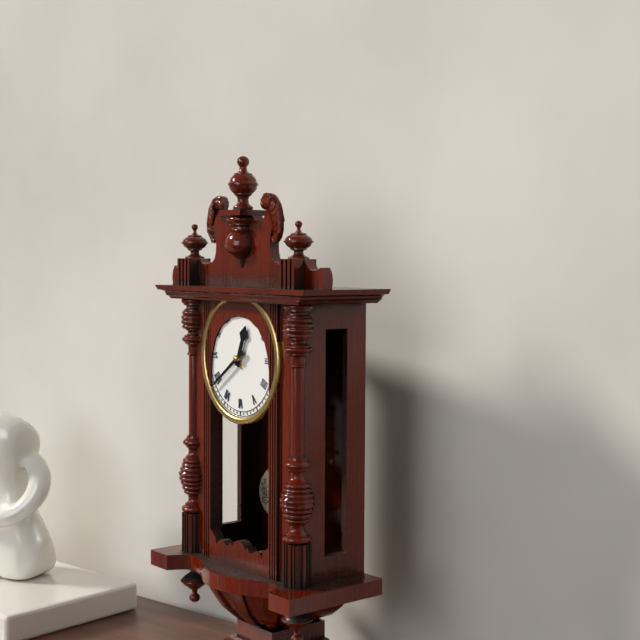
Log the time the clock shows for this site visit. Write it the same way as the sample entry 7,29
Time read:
12,39
